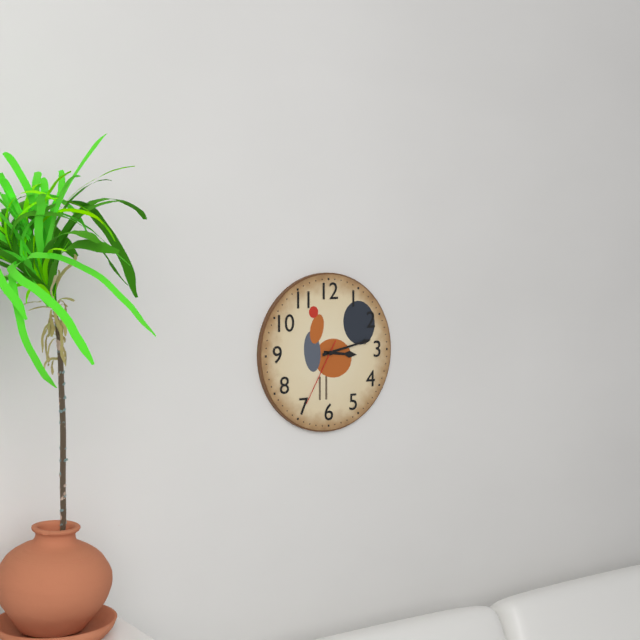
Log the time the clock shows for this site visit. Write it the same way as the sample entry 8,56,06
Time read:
3,13,35
